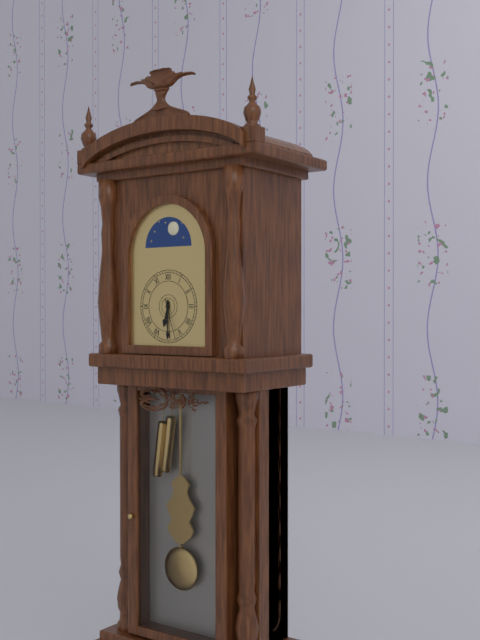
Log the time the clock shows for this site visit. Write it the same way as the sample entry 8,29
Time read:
6,30
